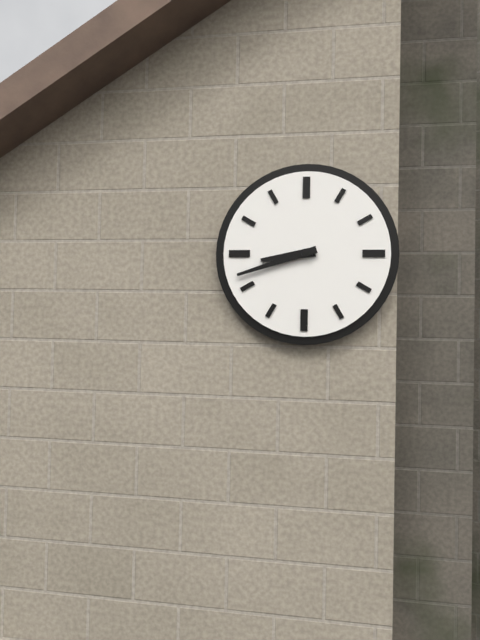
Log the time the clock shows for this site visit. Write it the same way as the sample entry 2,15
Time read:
8,42
